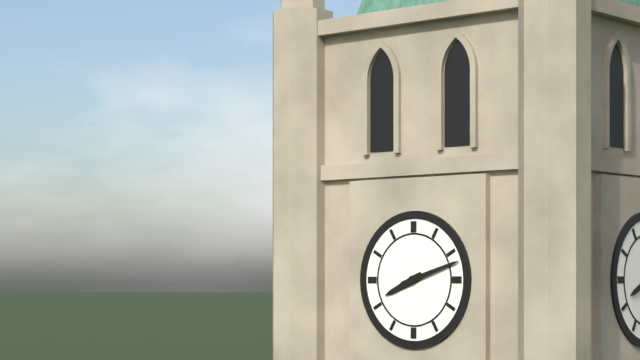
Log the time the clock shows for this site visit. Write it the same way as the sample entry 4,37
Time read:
8,12
